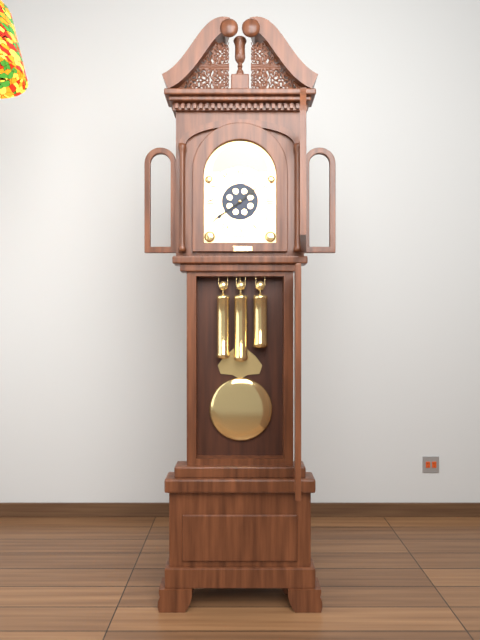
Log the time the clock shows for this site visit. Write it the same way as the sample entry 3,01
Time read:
1,39
